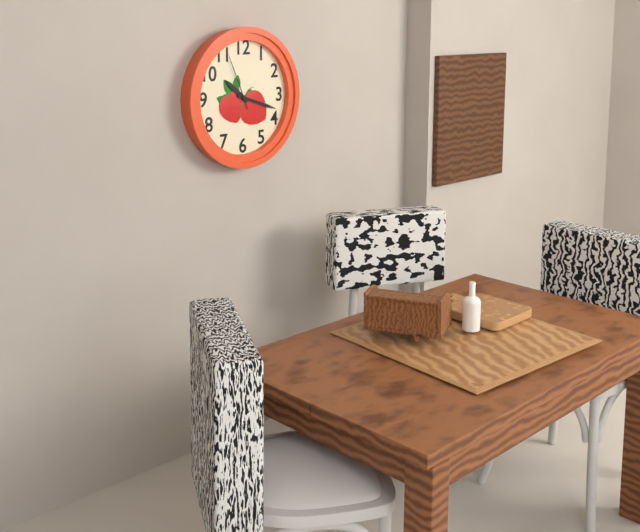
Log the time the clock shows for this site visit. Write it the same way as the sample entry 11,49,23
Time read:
10,18,56
